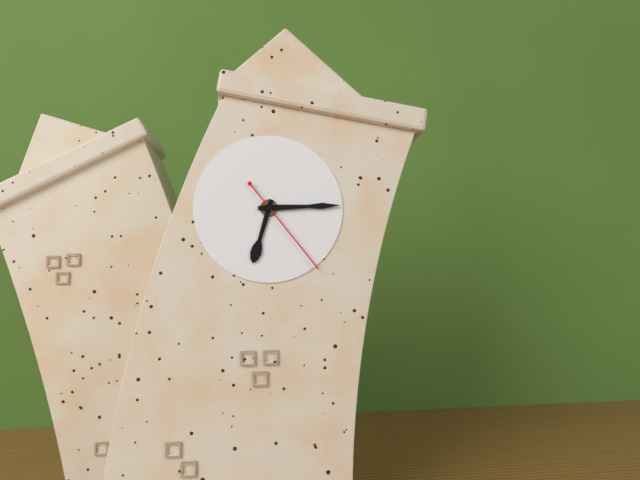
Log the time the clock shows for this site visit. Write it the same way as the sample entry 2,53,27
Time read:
6,13,22
